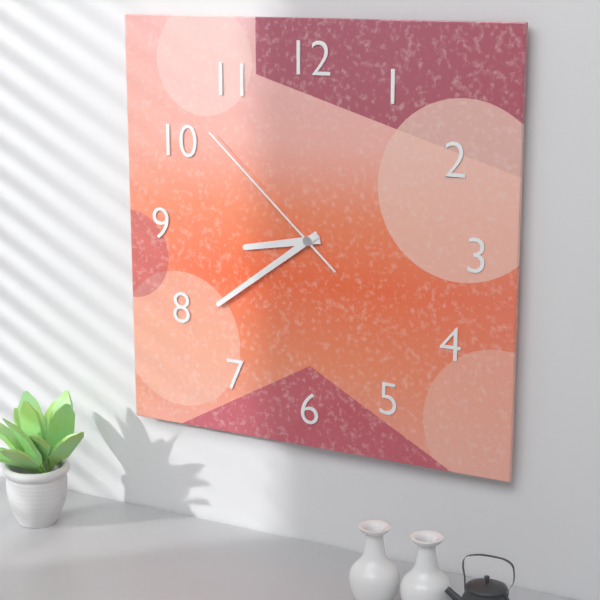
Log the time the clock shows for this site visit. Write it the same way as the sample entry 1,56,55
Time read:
8,39,52
